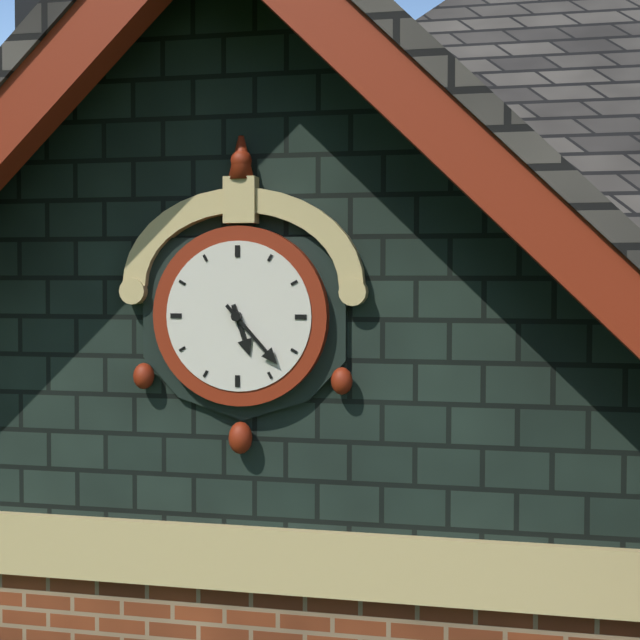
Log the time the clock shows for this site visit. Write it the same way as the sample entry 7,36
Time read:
5,23
